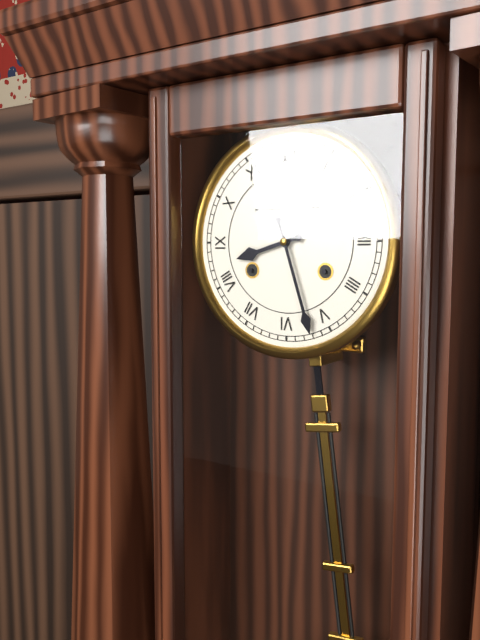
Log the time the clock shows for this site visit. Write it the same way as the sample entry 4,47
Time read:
8,27
